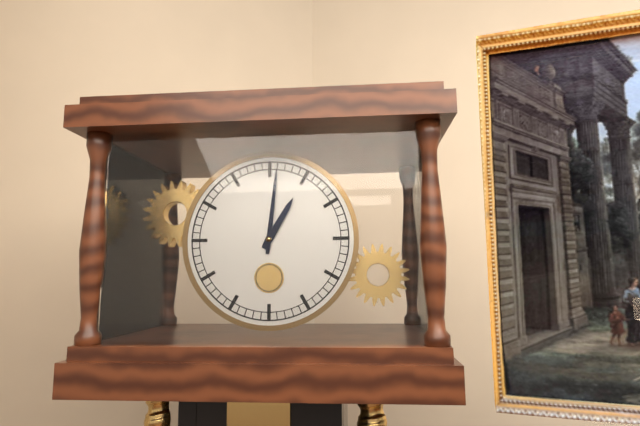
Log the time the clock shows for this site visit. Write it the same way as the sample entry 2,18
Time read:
1,01
